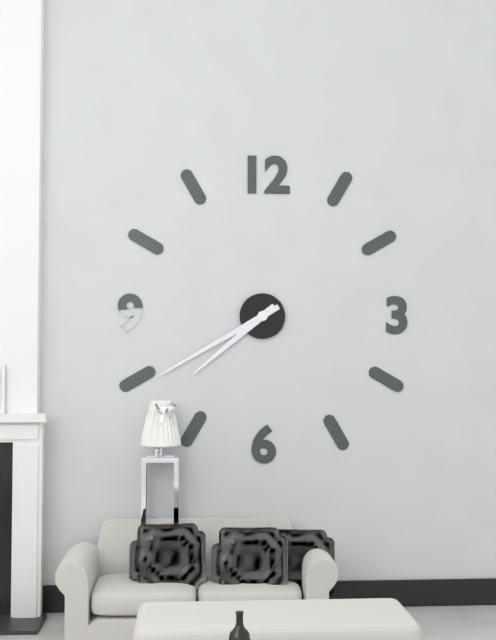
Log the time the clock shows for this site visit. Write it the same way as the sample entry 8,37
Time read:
7,40
